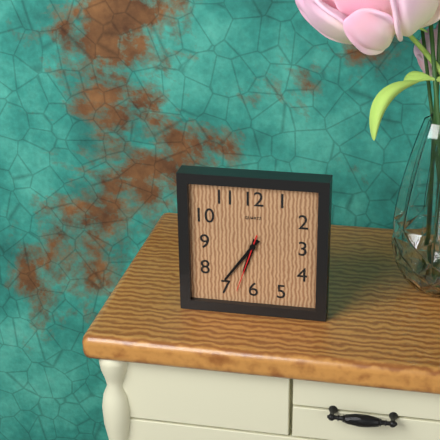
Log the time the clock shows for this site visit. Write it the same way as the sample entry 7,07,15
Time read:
6,36,33
